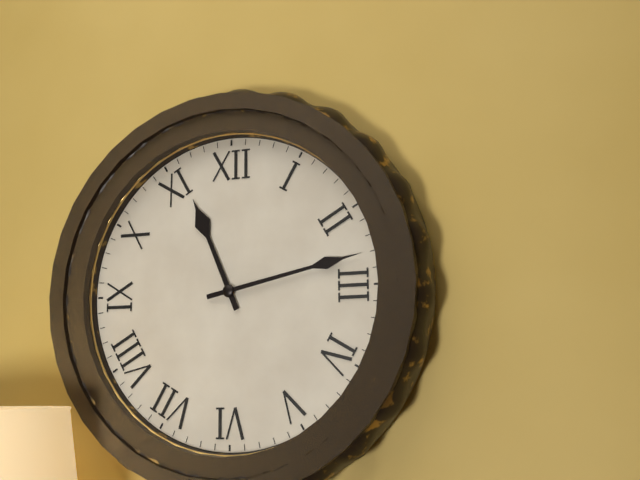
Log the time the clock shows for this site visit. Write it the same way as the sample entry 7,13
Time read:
11,13
